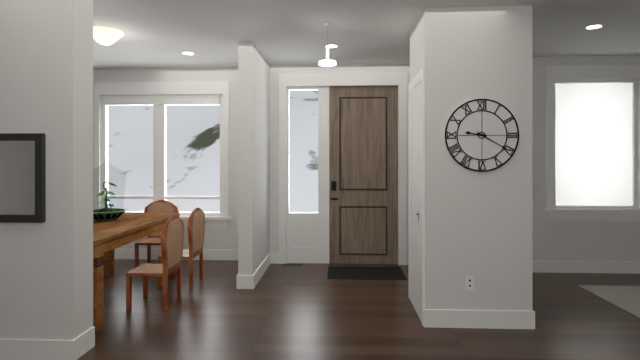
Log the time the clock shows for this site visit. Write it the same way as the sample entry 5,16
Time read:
9,20
